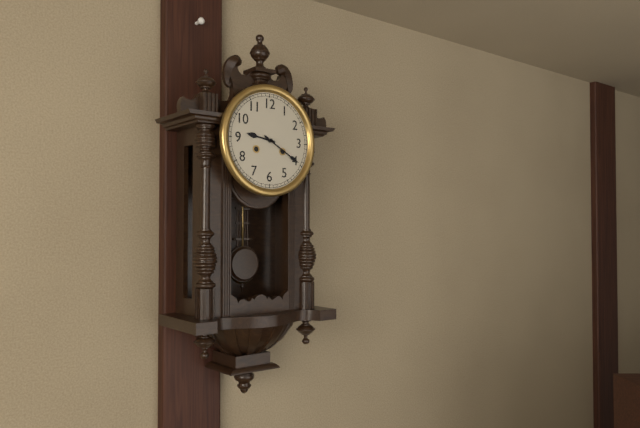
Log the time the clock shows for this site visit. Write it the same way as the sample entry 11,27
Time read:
9,20
